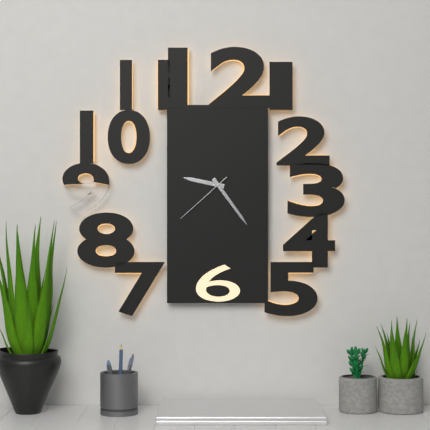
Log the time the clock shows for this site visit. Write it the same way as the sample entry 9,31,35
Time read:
9,24,38
